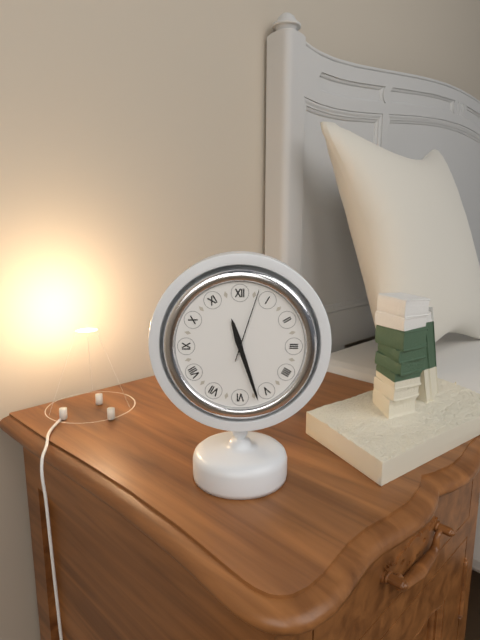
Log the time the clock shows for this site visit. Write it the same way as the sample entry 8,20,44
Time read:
11,27,03
